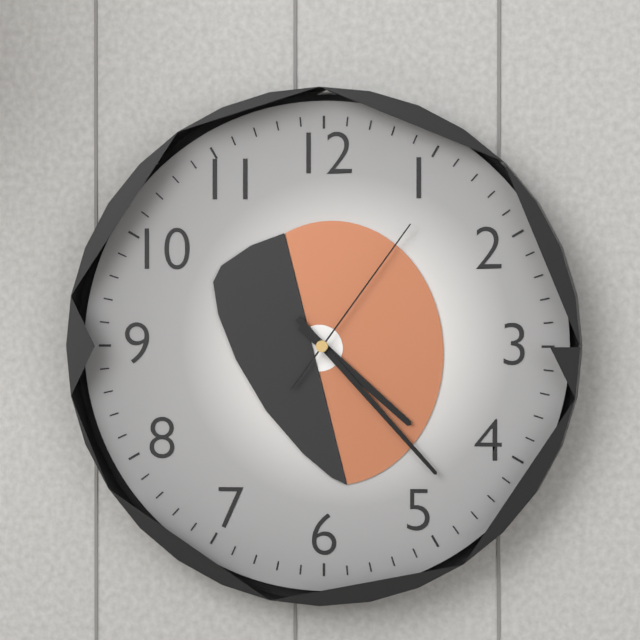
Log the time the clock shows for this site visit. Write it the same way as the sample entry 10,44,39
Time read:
4,23,06
